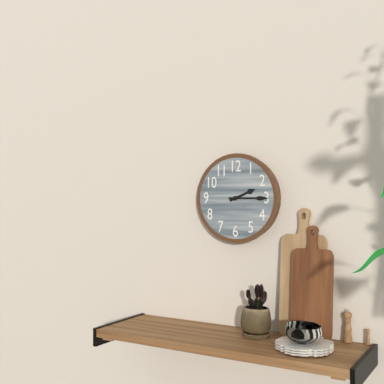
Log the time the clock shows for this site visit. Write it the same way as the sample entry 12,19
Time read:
2,15
